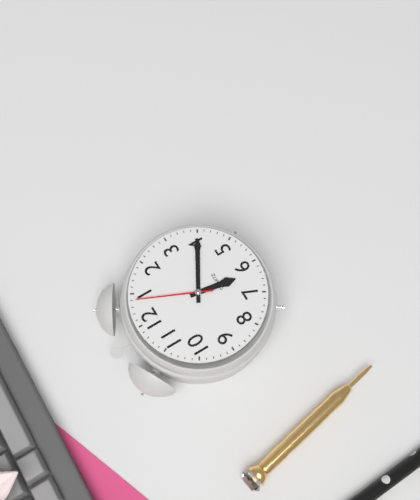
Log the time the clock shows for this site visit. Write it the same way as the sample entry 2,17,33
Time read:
6,20,04
